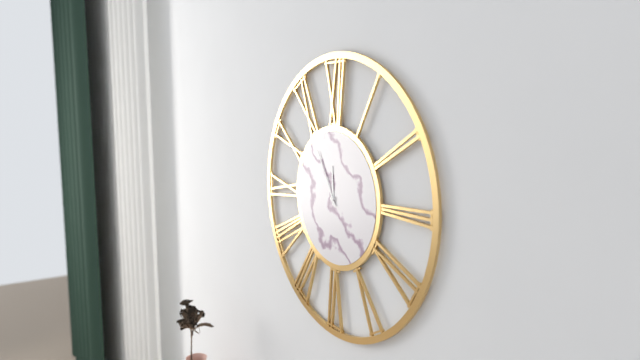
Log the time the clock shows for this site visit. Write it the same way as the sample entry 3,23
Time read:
11,55
